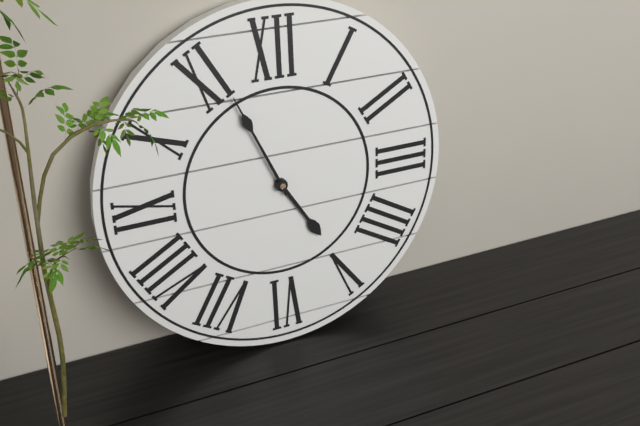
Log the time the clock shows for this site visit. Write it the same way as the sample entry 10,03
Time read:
4,56
